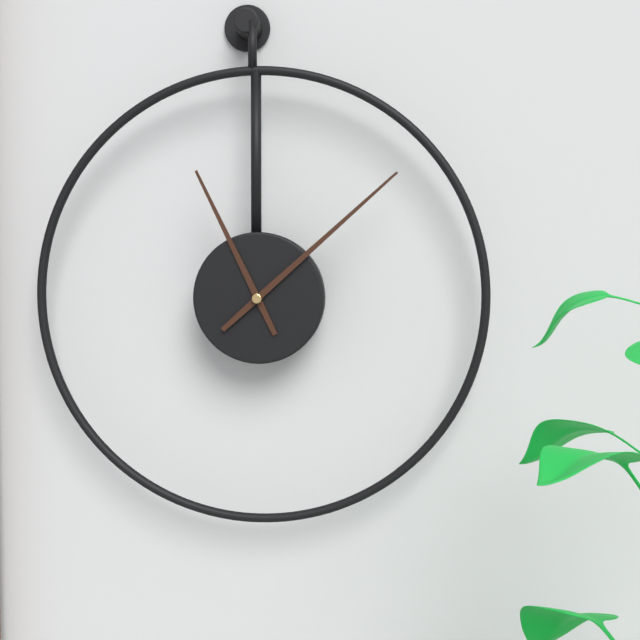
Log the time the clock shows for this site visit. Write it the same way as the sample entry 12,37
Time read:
11,08
